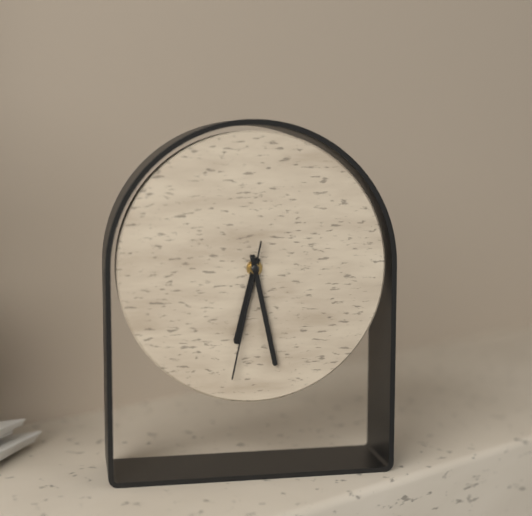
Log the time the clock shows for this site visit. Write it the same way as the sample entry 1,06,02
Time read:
6,28,32
